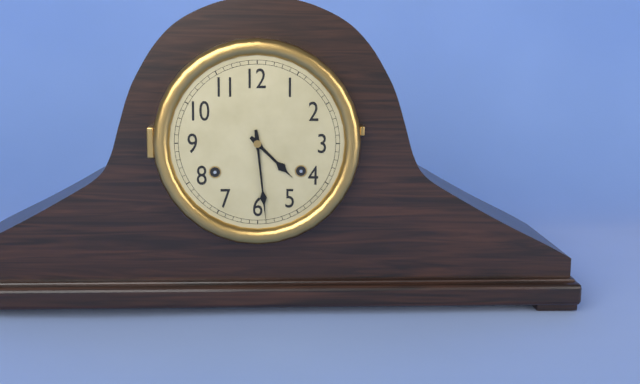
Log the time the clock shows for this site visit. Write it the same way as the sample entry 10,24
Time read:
4,29
